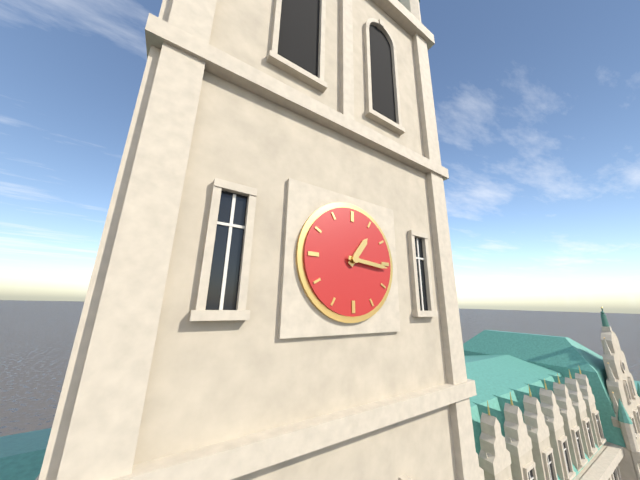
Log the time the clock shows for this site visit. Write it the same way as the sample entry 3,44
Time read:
1,16
